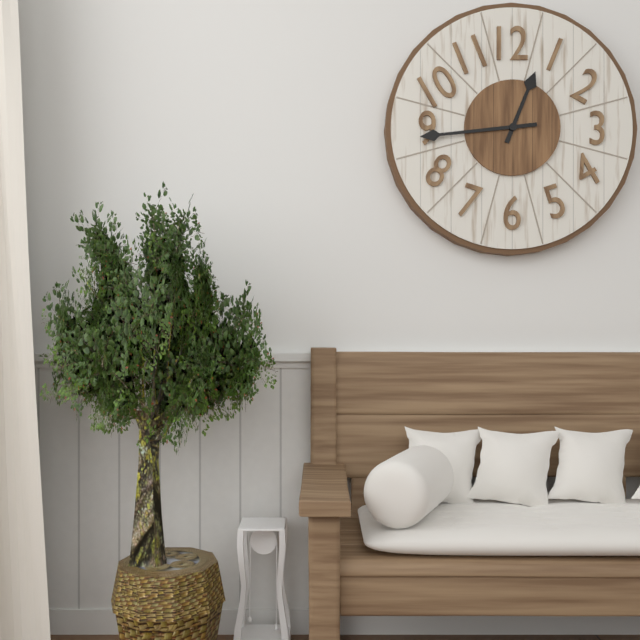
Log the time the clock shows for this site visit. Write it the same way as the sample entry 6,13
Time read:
12,44
